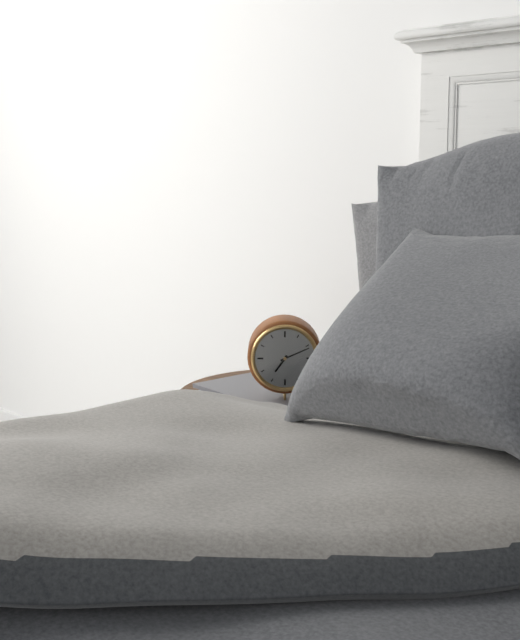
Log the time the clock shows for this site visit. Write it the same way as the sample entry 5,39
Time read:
7,11
